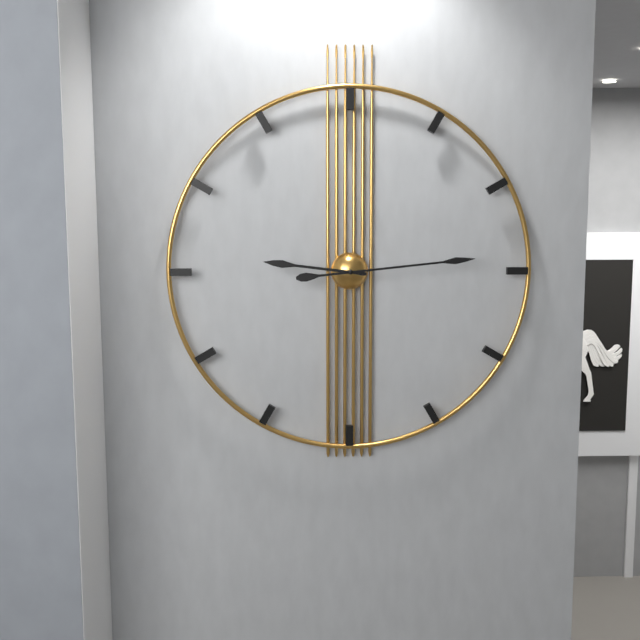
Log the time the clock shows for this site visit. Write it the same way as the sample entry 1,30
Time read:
9,14
